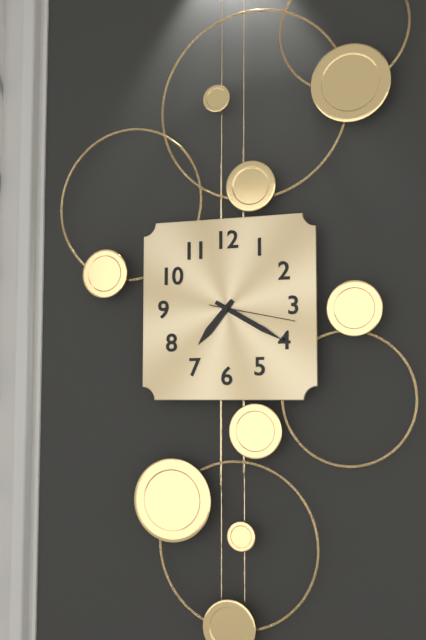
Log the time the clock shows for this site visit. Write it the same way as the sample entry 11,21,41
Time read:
7,20,17
